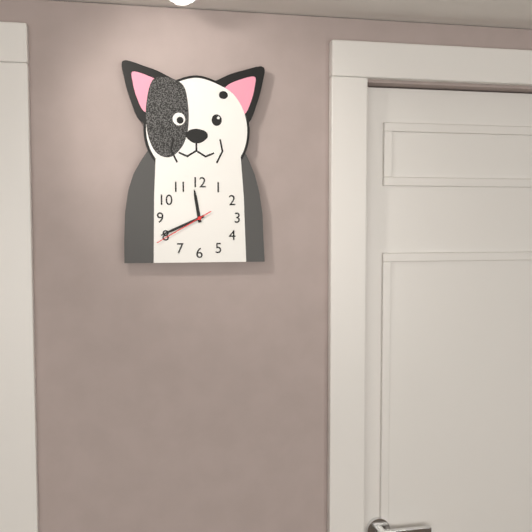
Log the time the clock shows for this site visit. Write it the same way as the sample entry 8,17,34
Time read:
11,41,40
